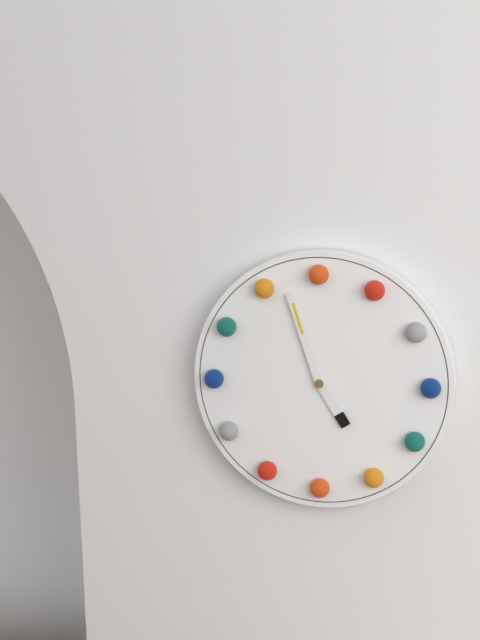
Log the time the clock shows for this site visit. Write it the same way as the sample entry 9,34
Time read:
4,57
